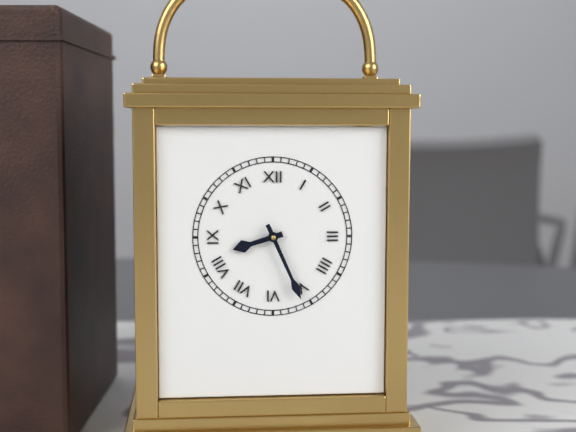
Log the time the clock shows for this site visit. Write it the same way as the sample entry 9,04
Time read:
8,26
